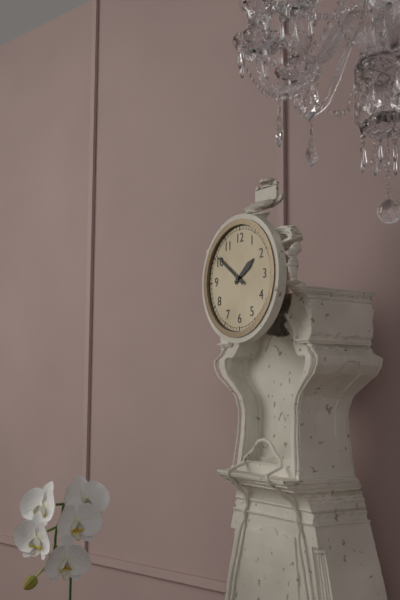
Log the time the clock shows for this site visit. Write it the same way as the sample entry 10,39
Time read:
1,51
